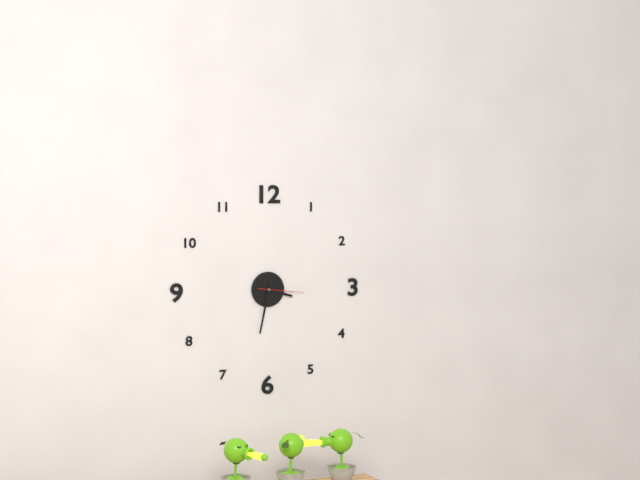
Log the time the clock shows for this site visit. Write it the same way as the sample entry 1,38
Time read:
3,32
